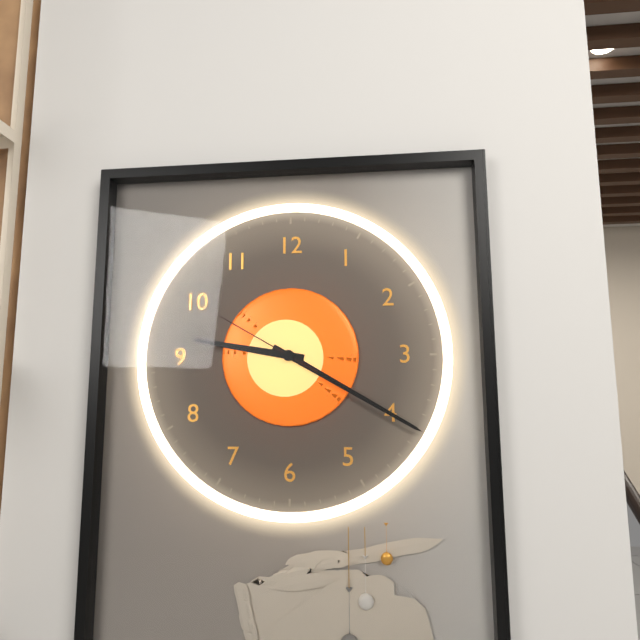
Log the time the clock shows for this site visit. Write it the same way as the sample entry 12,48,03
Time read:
9,20,50
